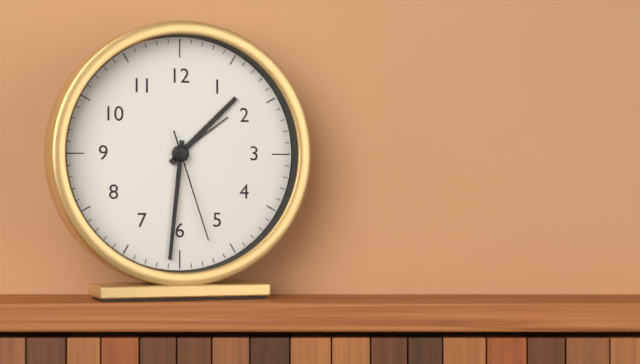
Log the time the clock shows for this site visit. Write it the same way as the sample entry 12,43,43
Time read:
1,31,27
